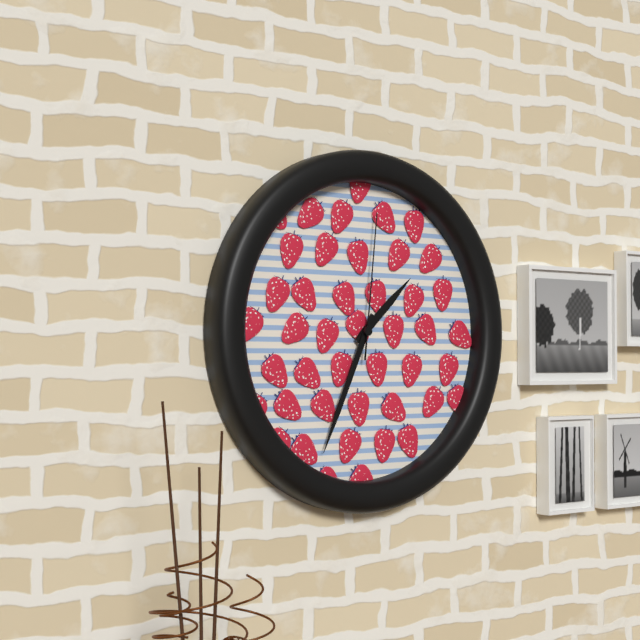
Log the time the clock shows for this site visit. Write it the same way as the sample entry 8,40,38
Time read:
1,34,01
